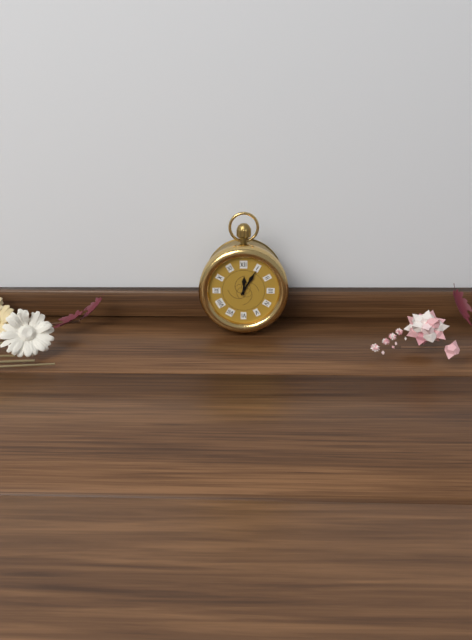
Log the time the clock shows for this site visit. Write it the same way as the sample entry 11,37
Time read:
12,05
